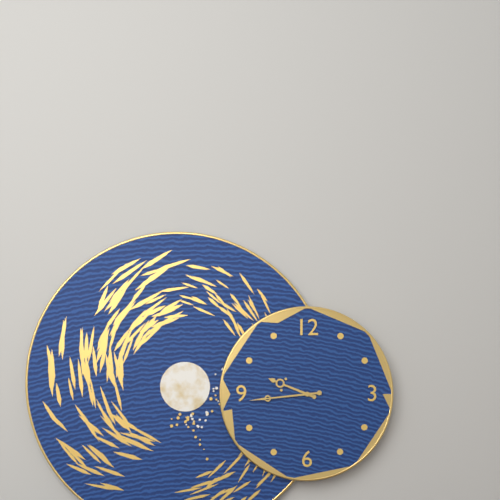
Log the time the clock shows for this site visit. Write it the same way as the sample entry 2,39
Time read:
9,44
